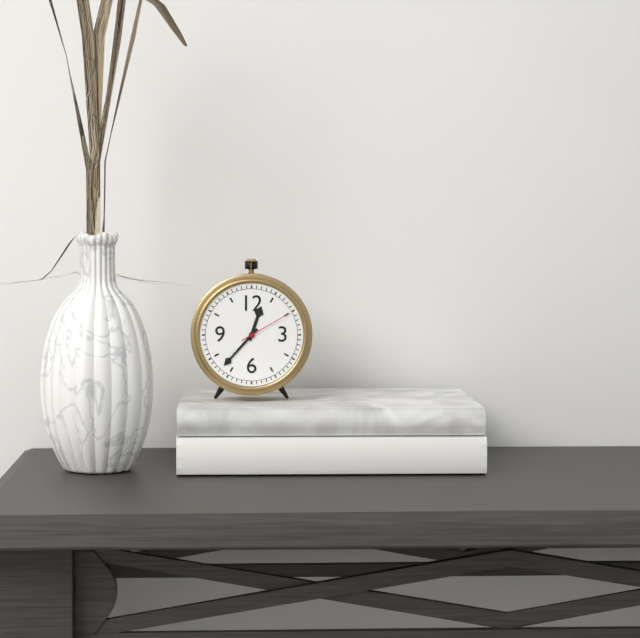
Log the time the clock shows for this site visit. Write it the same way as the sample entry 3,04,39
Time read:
12,37,10
